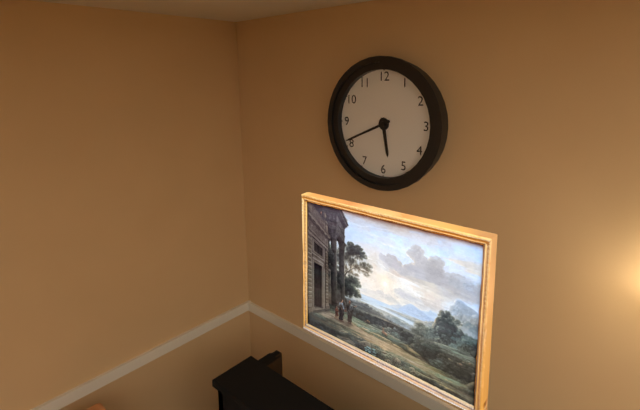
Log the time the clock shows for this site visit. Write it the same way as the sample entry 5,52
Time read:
5,41
